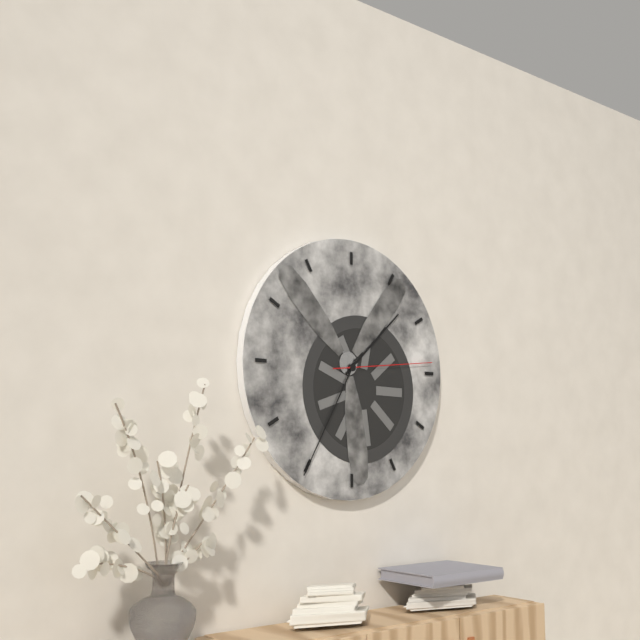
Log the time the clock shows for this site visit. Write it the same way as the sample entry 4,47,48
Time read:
1,35,14
